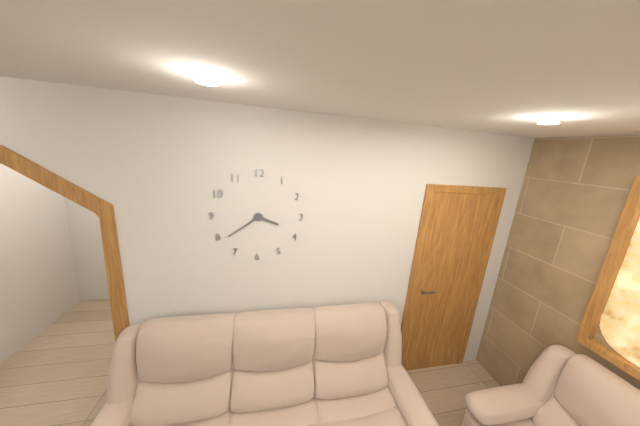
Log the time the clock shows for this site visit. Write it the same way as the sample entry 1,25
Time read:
3,39
